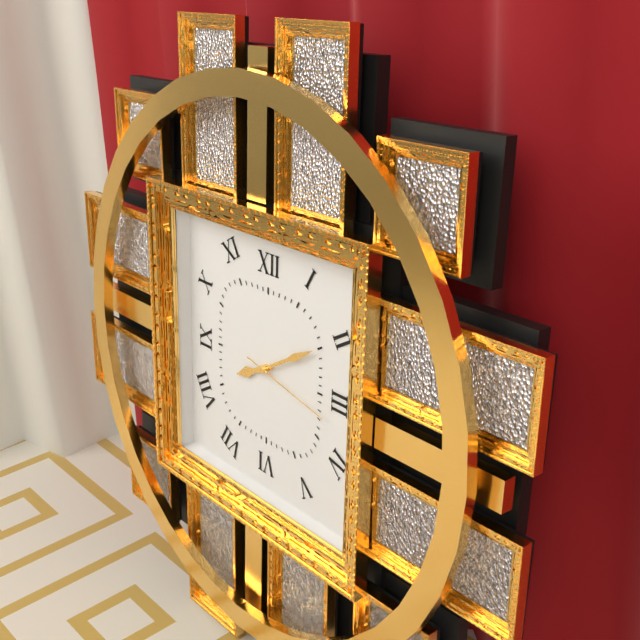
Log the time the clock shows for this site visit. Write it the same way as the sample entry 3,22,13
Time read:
8,10,17
